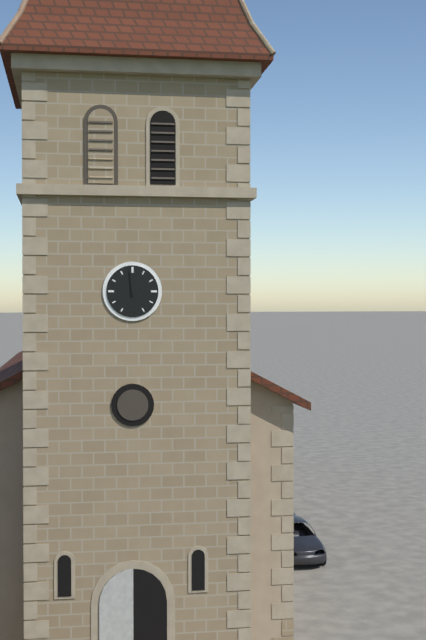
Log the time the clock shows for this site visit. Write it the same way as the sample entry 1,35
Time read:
11,59
